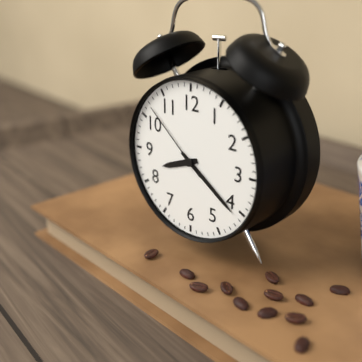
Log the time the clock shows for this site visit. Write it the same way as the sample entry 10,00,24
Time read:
8,21,52
